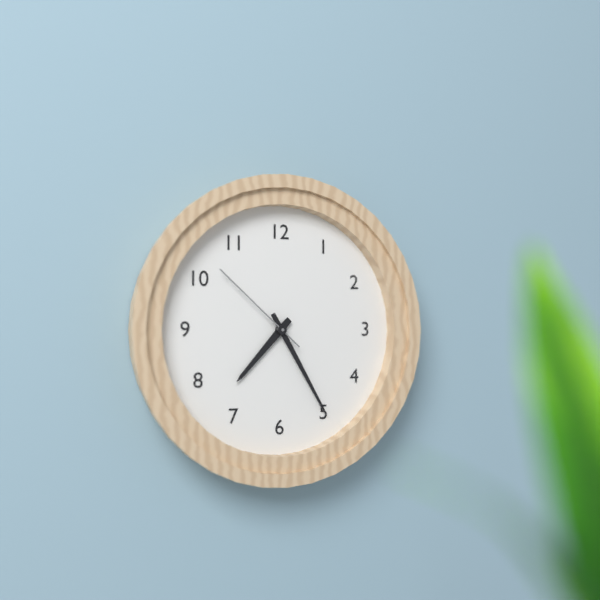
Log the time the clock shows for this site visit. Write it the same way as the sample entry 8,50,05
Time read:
7,25,52
